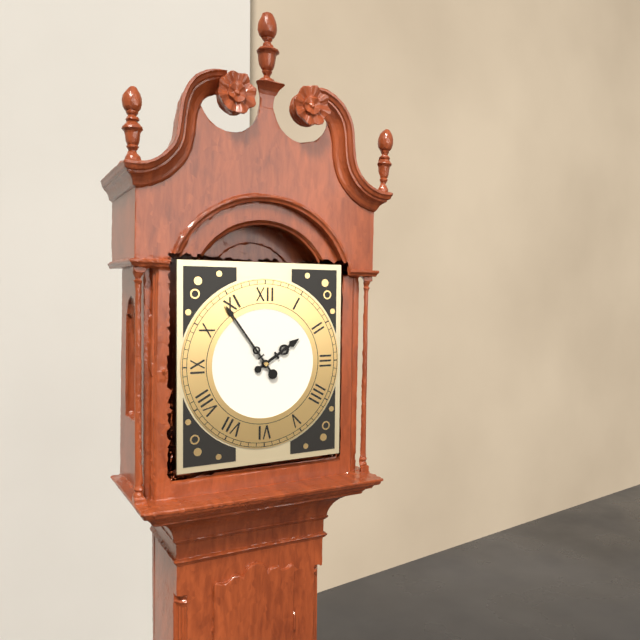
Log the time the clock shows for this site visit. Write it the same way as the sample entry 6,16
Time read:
1,54
